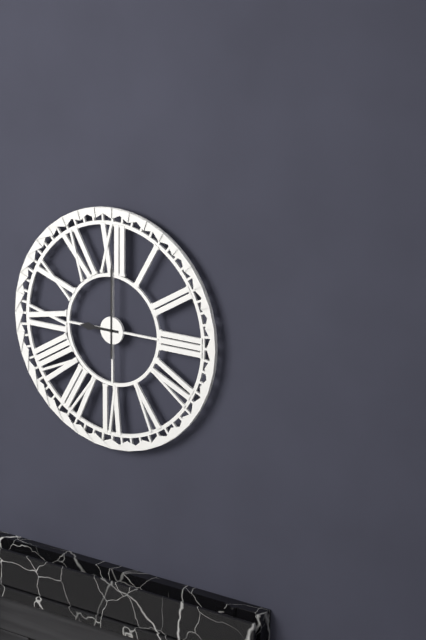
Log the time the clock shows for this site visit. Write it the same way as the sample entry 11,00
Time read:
9,00
